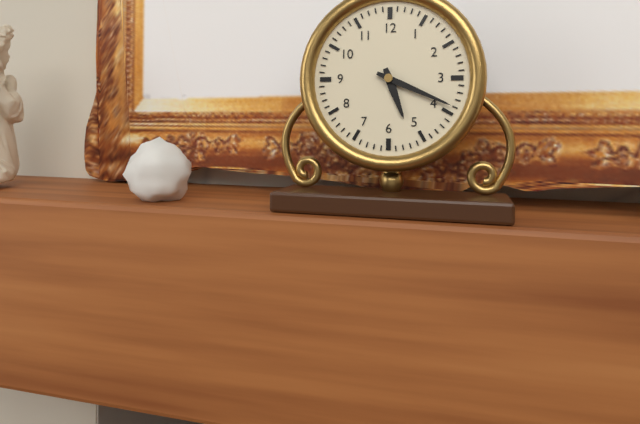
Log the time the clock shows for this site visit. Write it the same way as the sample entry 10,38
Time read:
5,19
